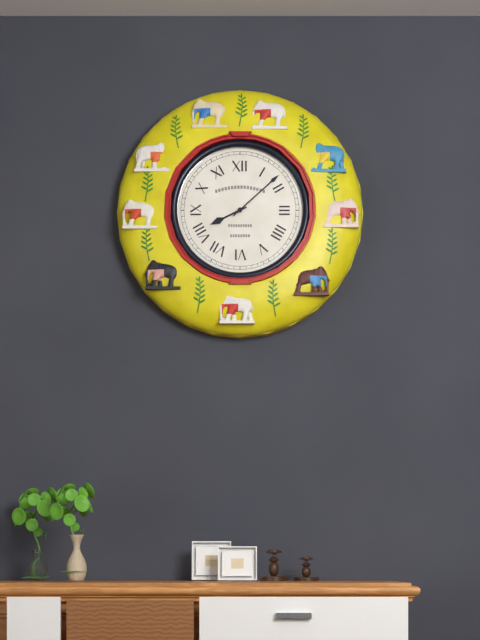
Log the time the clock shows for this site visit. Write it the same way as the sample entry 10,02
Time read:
8,08
